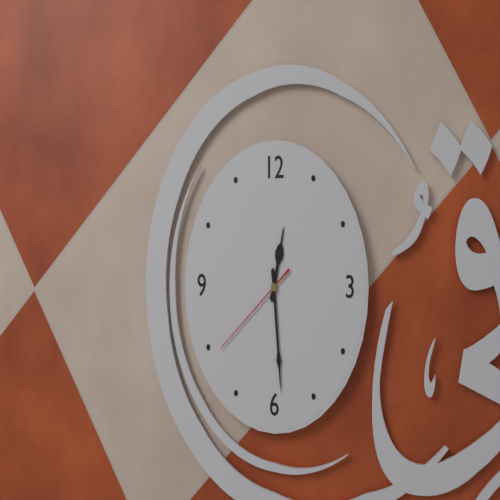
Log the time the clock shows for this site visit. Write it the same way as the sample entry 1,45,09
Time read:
12,29,39
